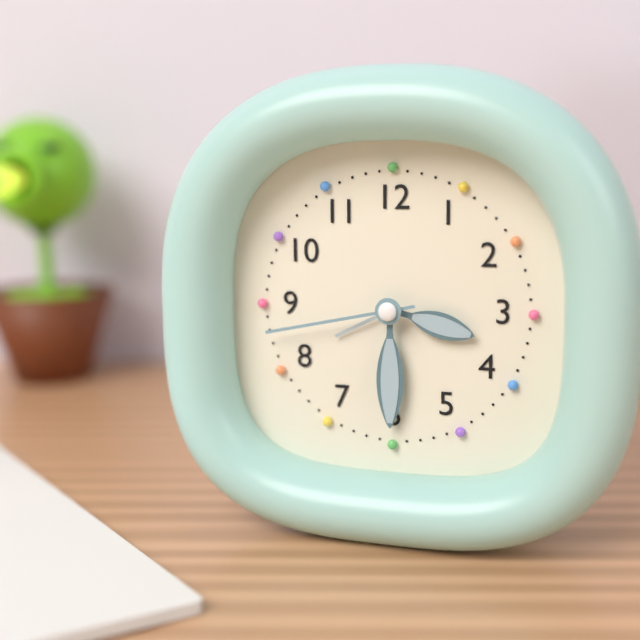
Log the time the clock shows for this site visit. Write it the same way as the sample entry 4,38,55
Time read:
3,30,43
